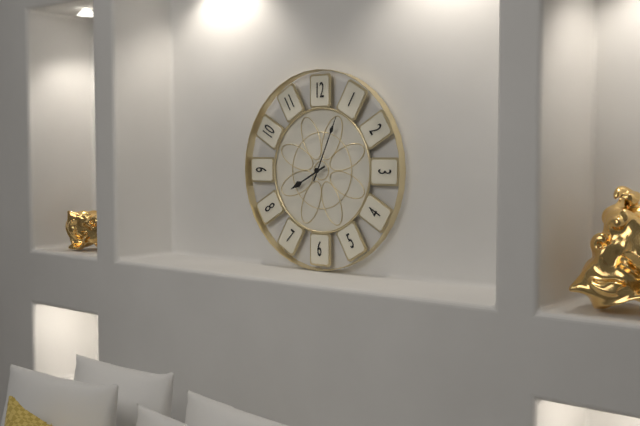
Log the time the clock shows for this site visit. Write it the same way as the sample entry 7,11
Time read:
8,04
